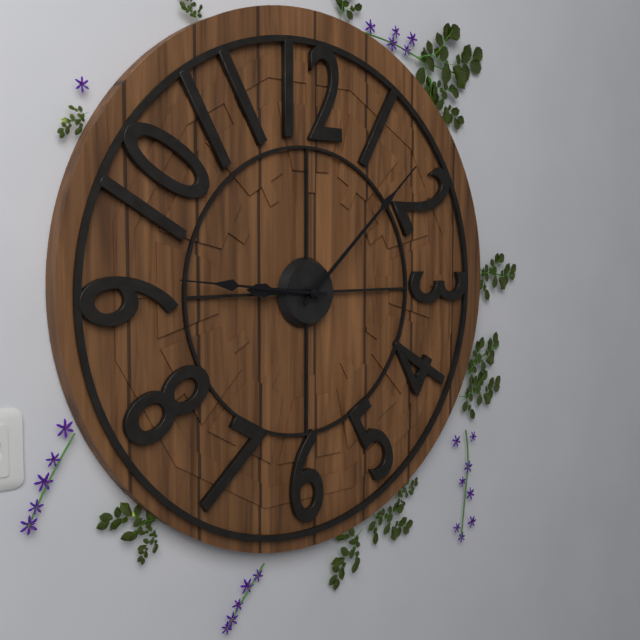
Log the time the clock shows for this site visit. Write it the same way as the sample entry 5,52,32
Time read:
9,08,46
